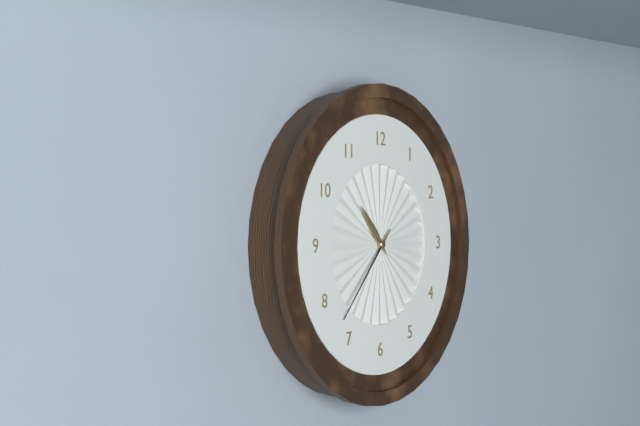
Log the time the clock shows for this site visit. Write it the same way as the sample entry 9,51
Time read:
10,37
